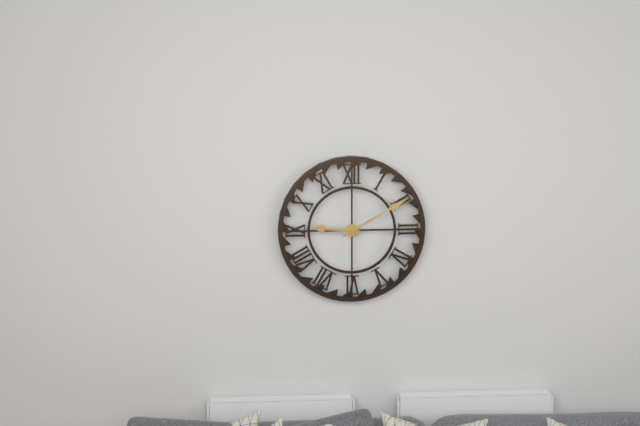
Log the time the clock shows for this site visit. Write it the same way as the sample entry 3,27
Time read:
9,10
